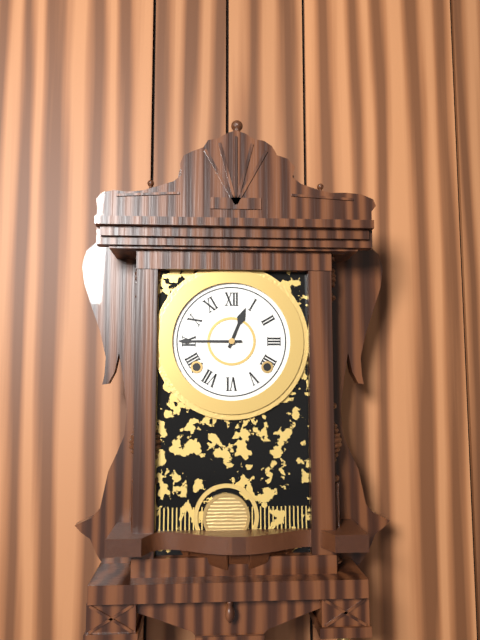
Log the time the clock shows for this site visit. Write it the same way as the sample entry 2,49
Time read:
12,45
